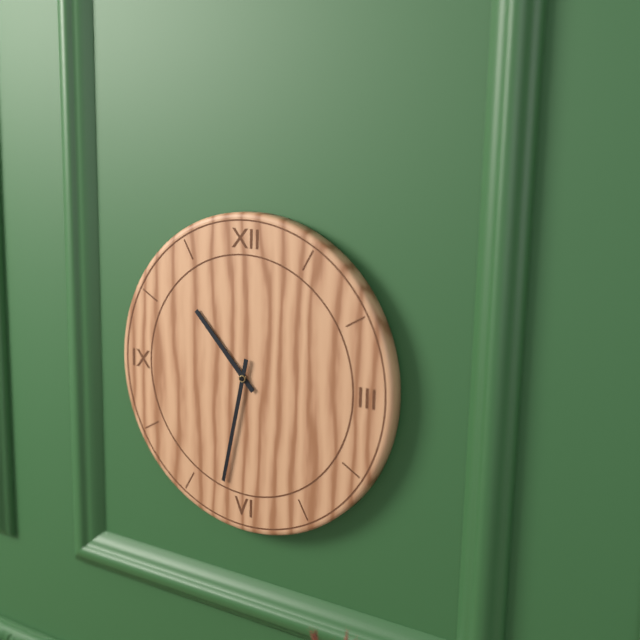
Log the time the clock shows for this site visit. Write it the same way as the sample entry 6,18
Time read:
10,32
